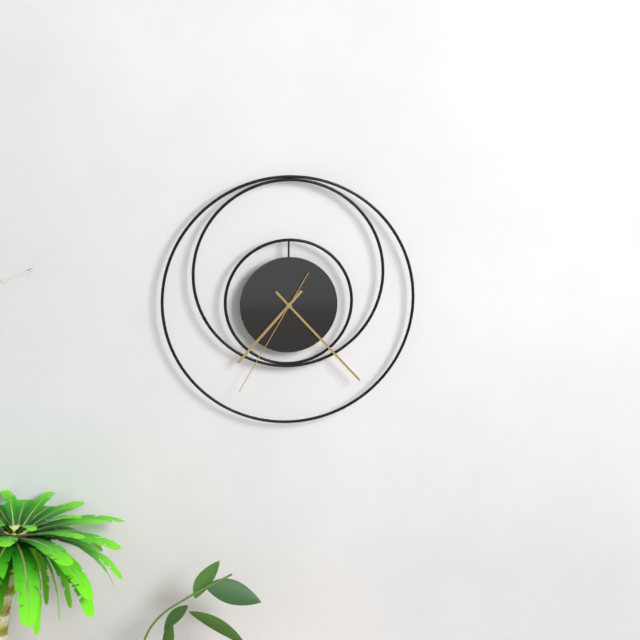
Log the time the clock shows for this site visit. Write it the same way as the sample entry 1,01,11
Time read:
7,23,35
